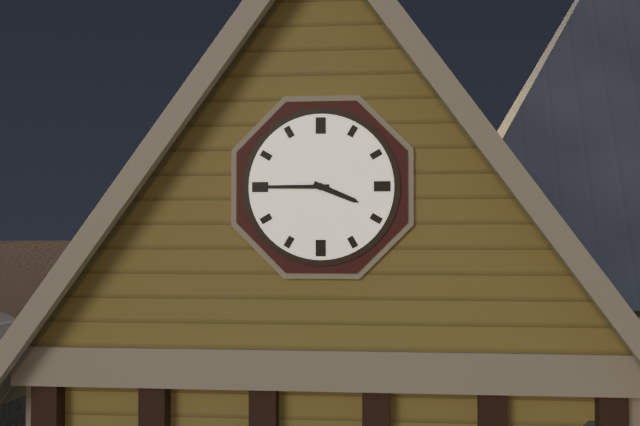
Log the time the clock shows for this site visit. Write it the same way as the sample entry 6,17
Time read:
3,45
